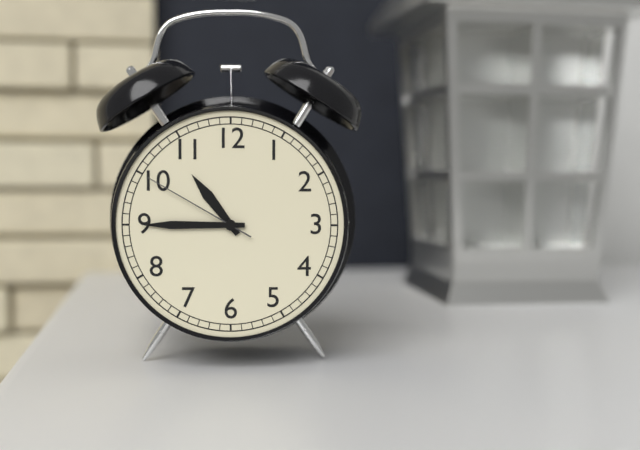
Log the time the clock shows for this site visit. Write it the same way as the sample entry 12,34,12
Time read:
10,45,50
